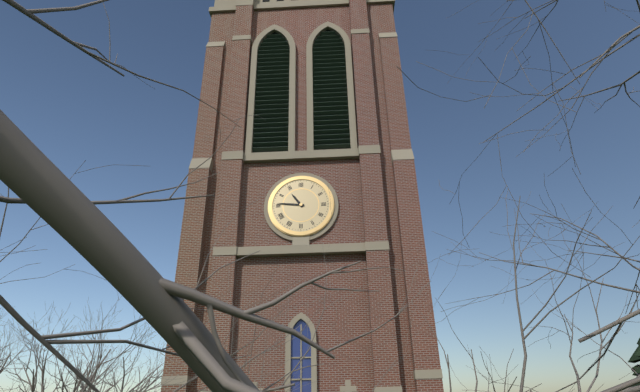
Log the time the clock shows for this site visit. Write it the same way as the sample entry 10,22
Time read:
10,46
